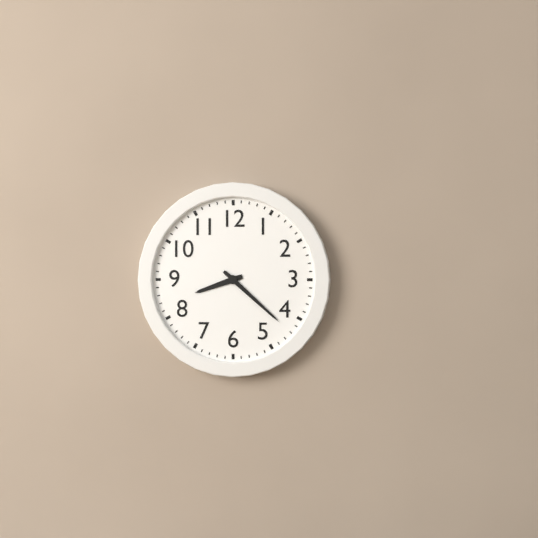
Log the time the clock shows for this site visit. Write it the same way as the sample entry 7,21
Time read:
8,22
